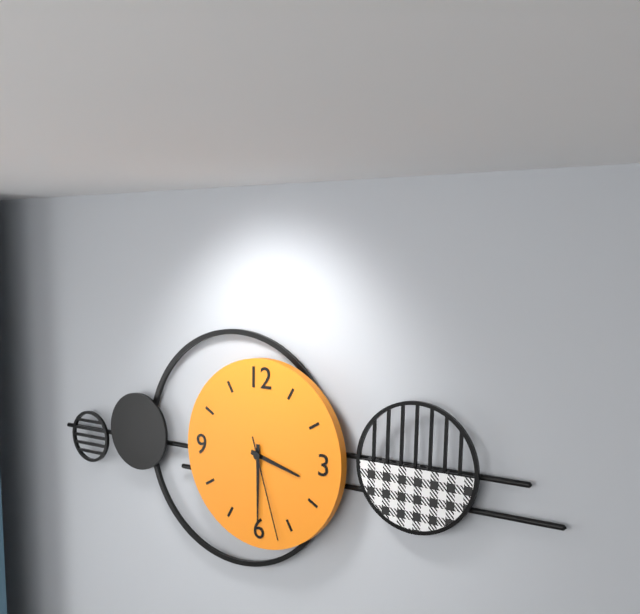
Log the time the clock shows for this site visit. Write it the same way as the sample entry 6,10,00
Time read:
3,30,27
